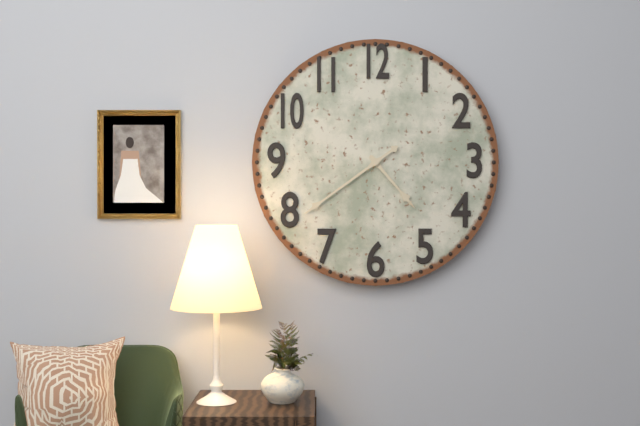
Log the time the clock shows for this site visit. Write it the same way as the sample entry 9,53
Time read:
4,39
